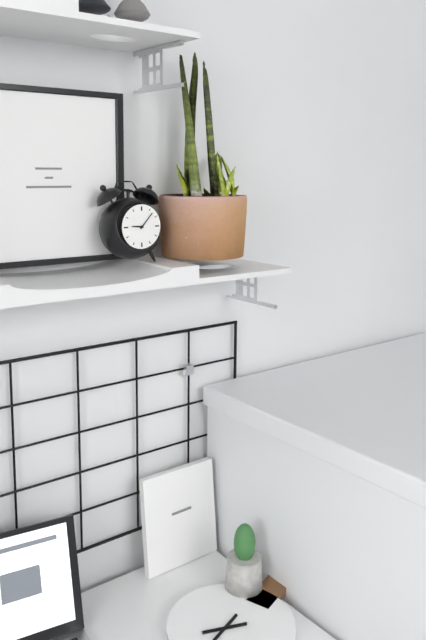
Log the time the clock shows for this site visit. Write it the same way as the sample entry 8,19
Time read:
9,07
